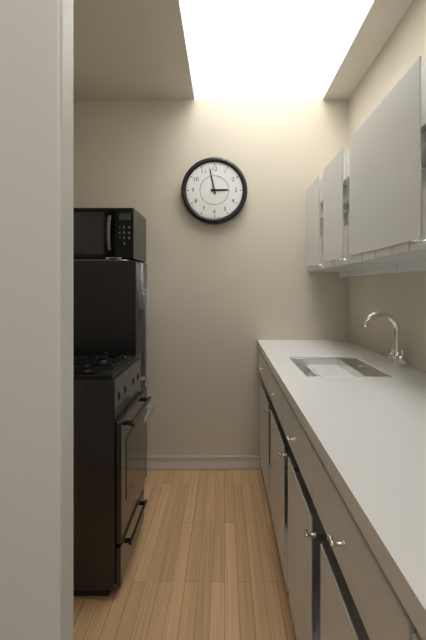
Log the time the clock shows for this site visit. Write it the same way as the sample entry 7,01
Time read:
2,58
